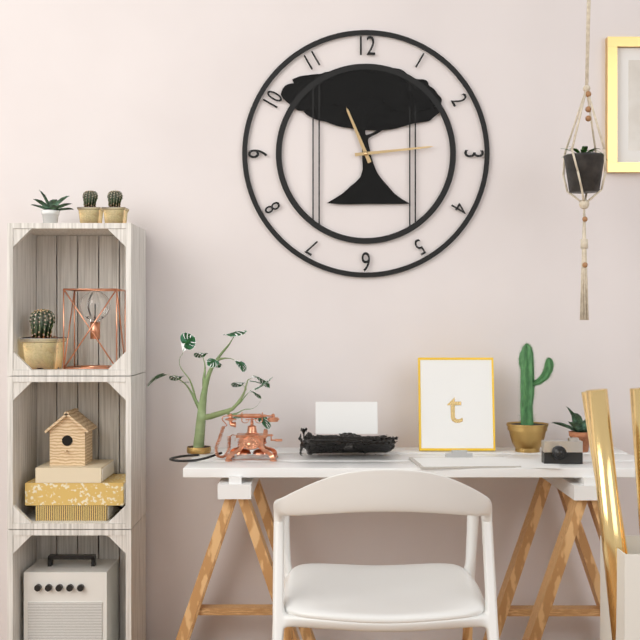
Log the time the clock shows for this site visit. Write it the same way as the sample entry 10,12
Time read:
11,14
